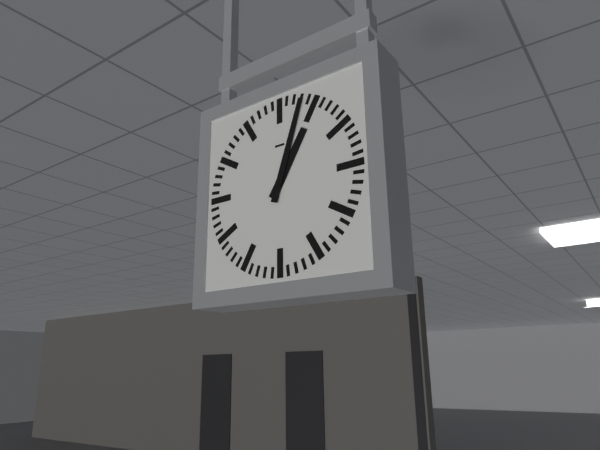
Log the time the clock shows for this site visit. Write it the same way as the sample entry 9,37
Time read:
1,03
